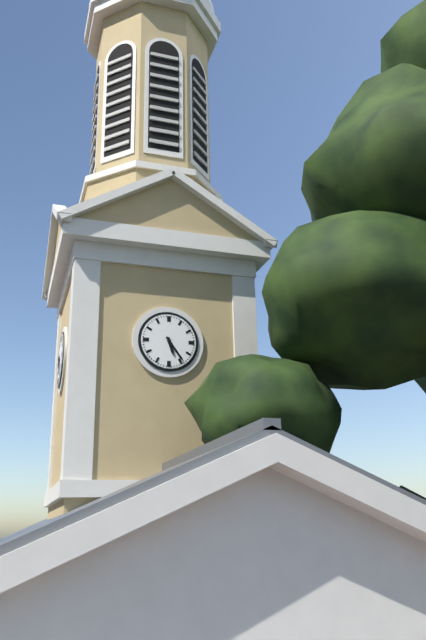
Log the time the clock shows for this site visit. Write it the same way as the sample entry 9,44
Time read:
5,24
